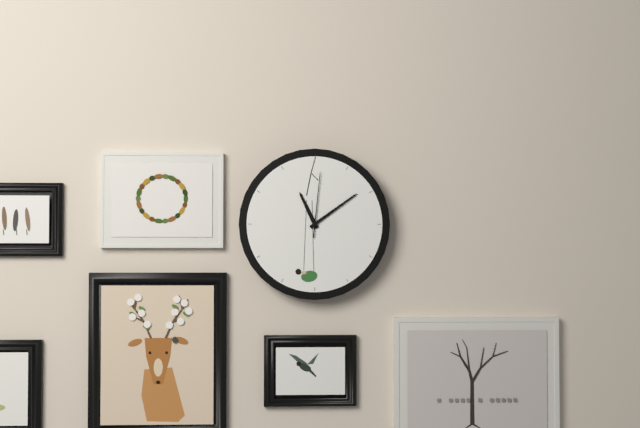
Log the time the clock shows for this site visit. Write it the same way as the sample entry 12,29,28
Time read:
11,09,01
